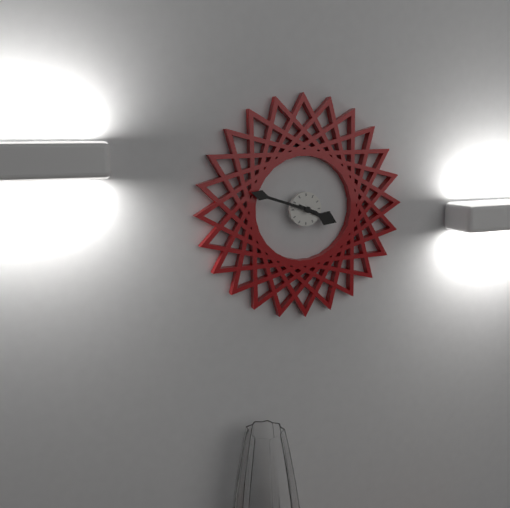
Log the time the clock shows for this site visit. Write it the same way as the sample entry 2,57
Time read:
3,48
